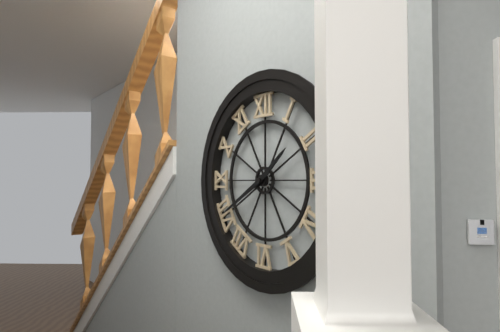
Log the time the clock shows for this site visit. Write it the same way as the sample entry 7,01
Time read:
1,40
